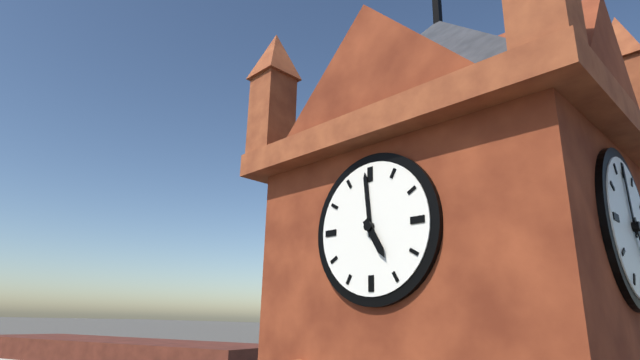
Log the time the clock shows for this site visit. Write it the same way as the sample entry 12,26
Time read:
4,59
